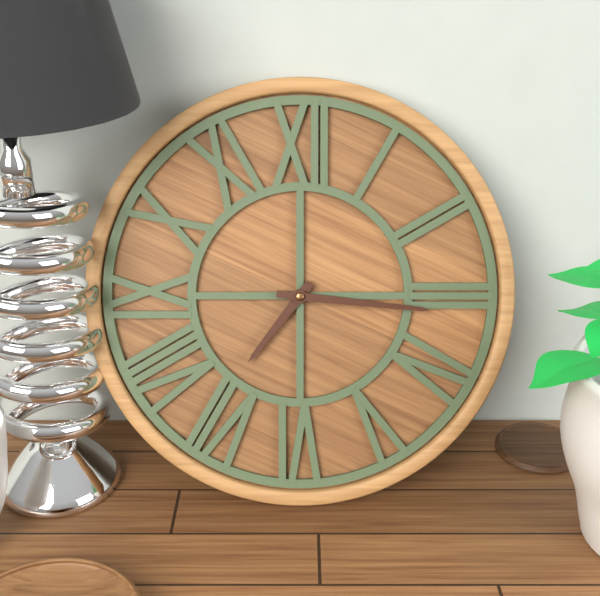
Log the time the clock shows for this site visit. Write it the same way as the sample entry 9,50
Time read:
7,16
